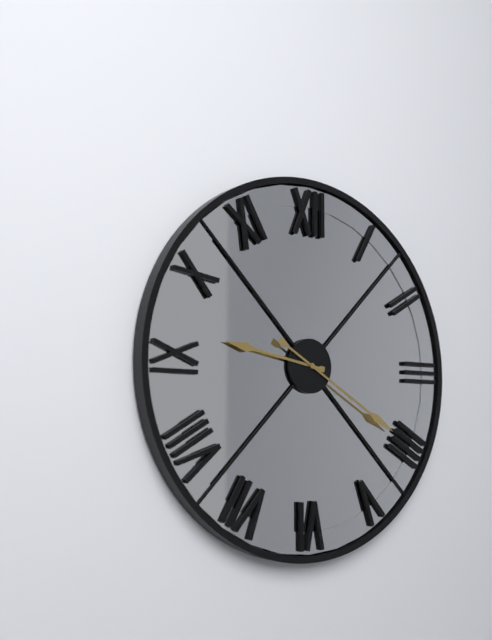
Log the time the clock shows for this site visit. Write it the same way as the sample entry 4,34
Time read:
9,20
